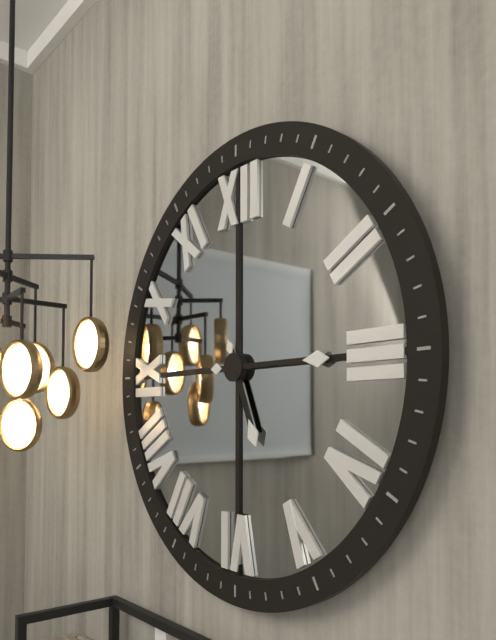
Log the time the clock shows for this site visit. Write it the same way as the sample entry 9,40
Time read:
5,15
